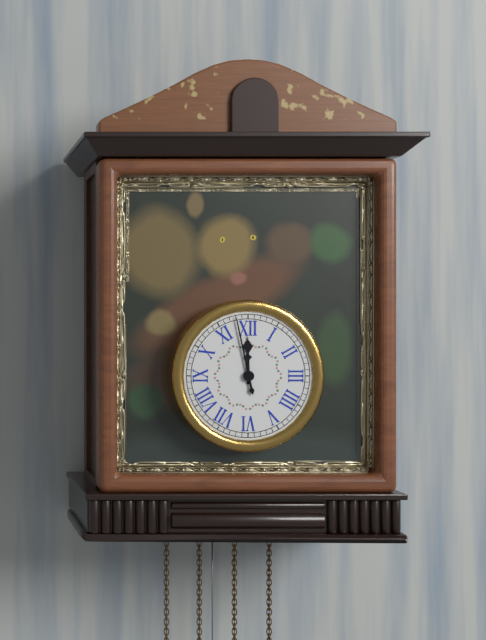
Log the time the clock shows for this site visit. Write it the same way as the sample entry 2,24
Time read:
11,58
